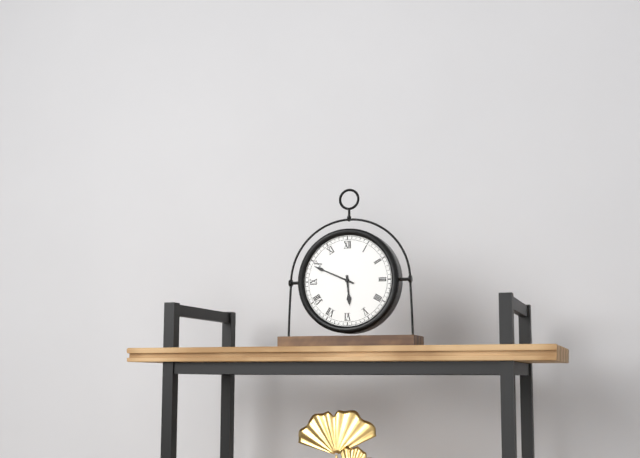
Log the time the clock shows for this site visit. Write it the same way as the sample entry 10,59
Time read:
5,49
